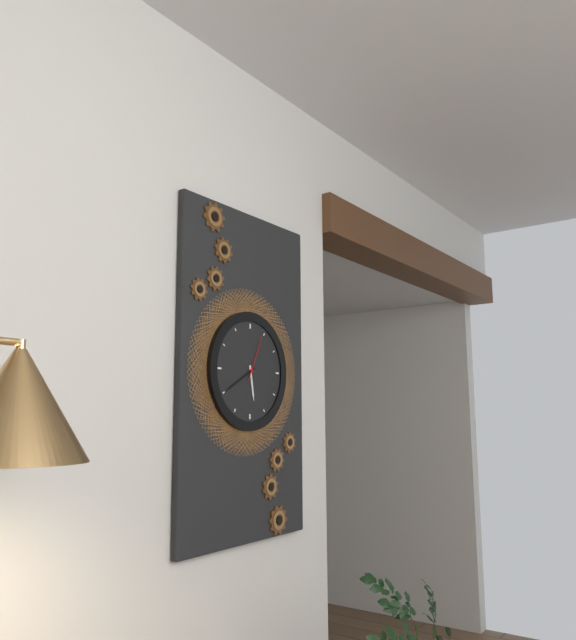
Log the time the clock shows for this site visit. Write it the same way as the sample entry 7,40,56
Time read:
5,40,04
